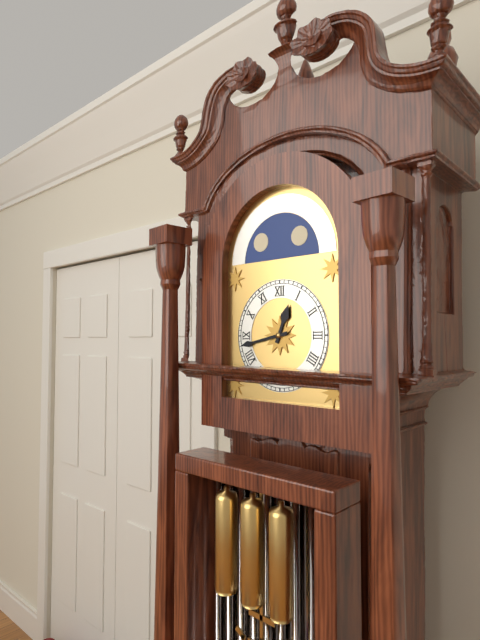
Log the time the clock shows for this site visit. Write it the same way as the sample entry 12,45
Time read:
12,43
